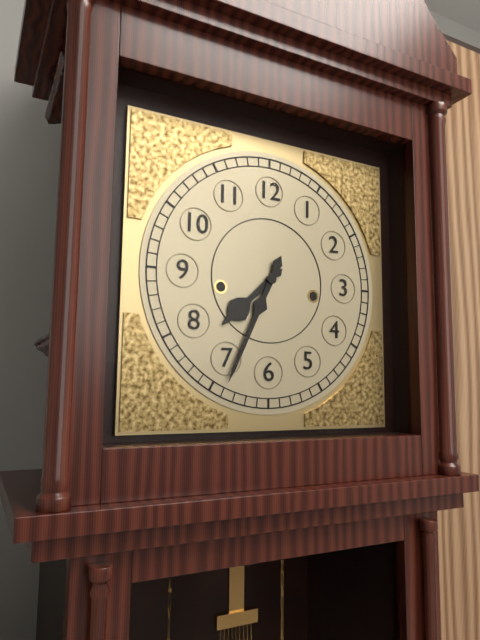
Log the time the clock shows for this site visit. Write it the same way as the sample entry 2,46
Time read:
7,34
